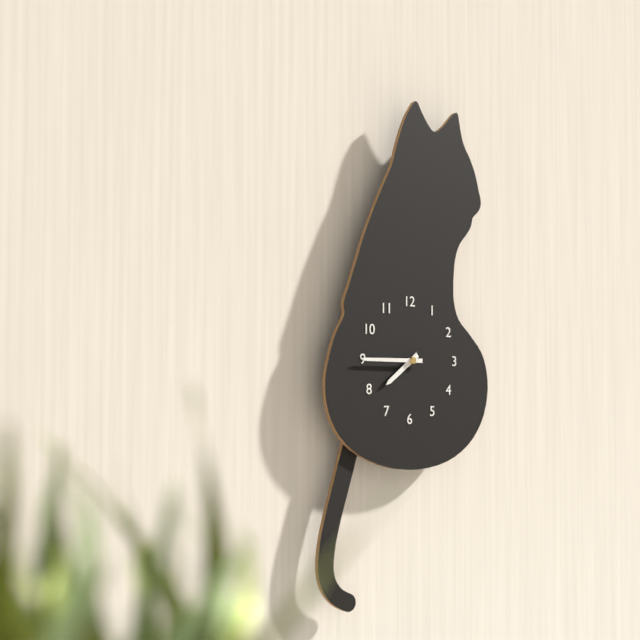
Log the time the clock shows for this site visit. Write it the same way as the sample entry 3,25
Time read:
7,45
